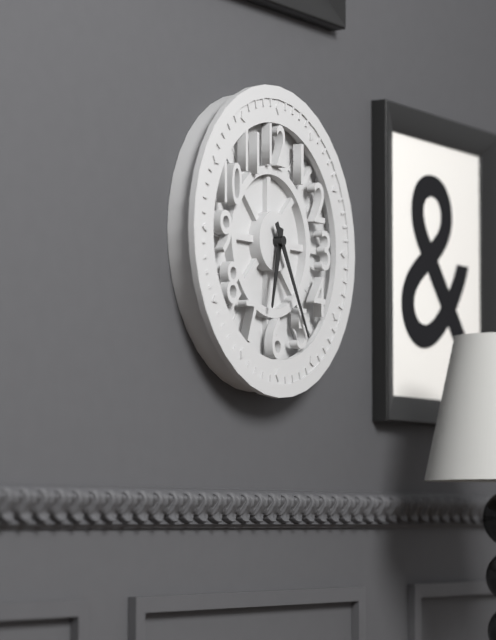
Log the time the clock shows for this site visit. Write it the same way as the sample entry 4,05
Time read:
6,25
